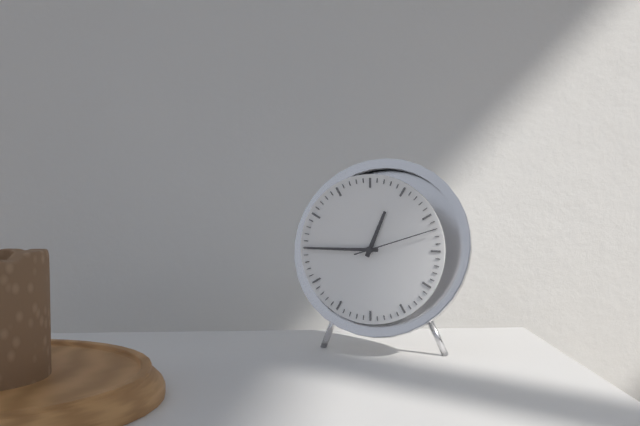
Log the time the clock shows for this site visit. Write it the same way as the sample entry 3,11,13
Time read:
12,45,12
